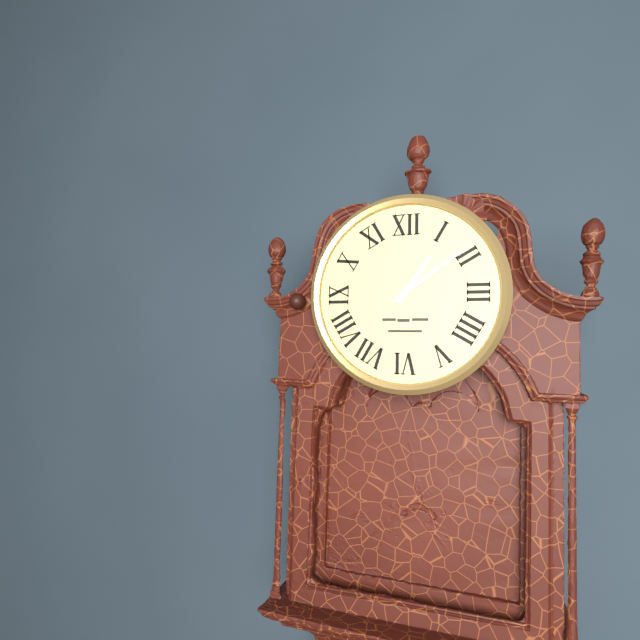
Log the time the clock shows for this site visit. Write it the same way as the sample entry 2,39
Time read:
1,09
